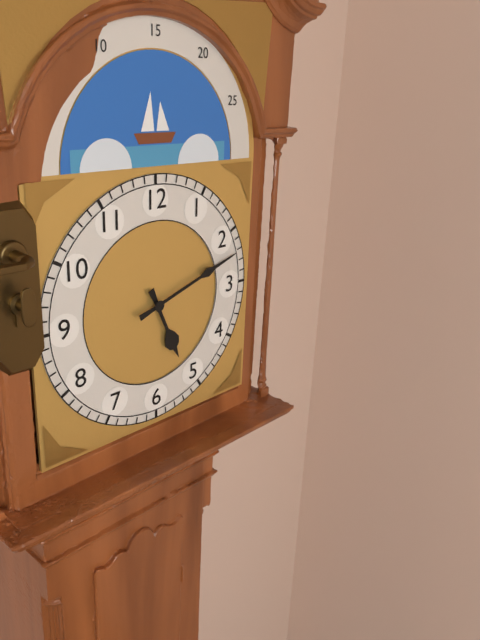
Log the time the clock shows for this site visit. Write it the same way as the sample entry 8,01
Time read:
5,12
